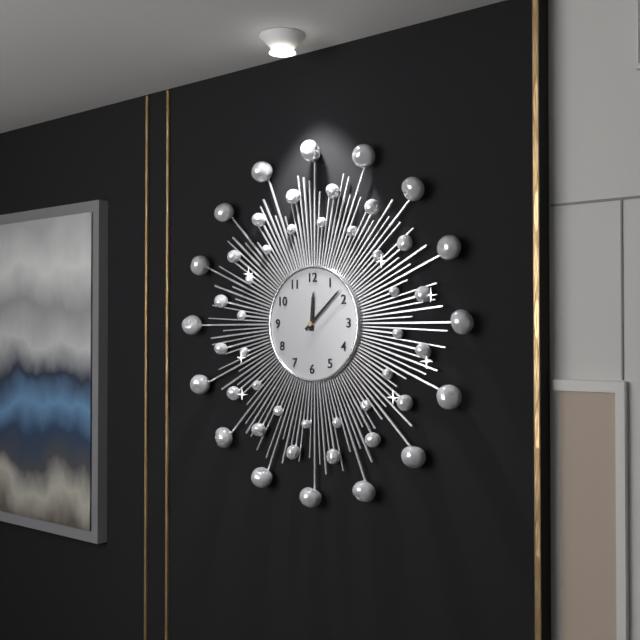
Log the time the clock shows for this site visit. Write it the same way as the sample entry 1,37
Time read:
12,08
